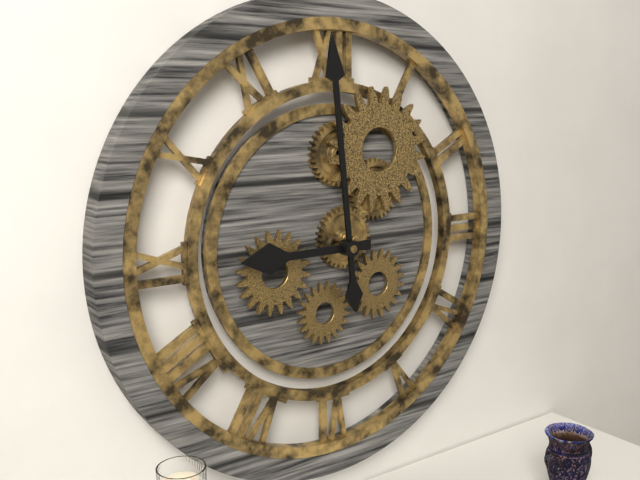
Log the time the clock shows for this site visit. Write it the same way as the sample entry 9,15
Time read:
8,59
